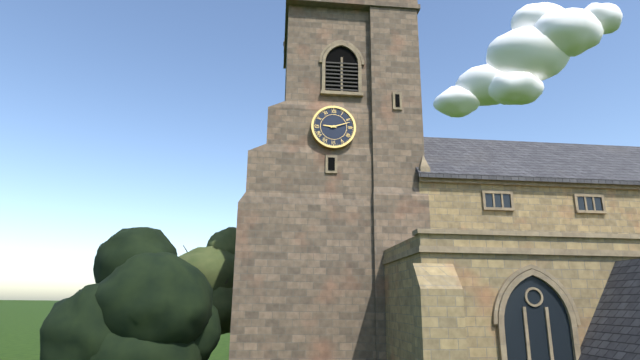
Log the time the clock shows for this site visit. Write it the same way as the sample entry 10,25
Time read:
9,12
